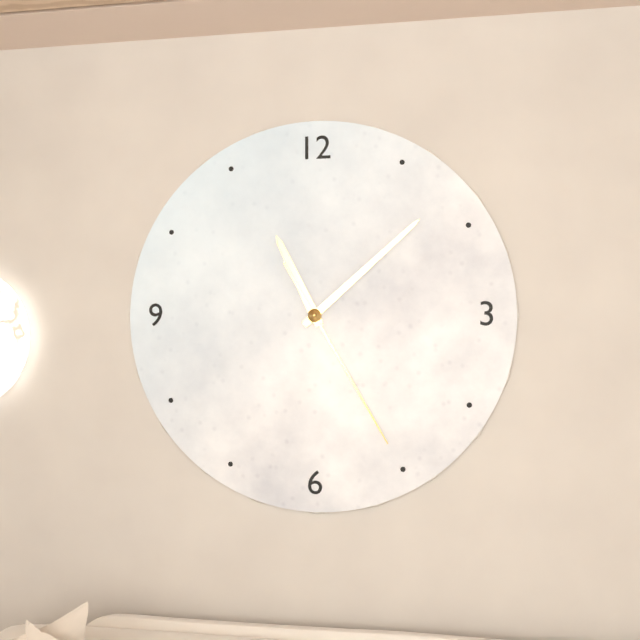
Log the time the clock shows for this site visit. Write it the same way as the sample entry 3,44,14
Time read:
11,08,25
